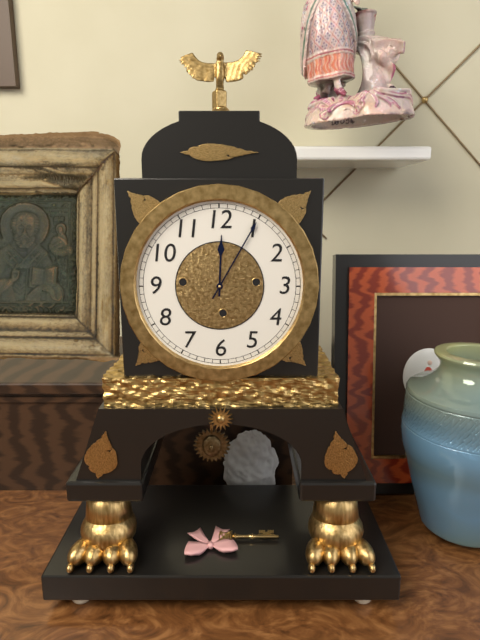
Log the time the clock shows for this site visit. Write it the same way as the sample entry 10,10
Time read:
12,05
